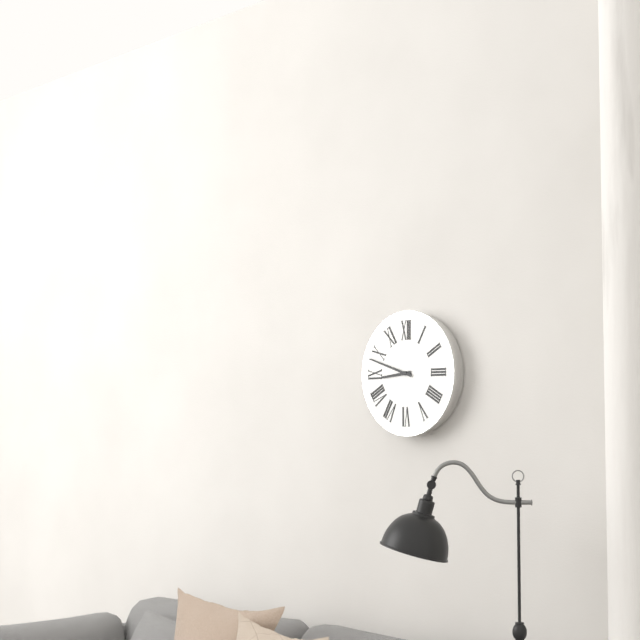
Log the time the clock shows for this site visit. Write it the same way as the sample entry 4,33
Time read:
8,48
